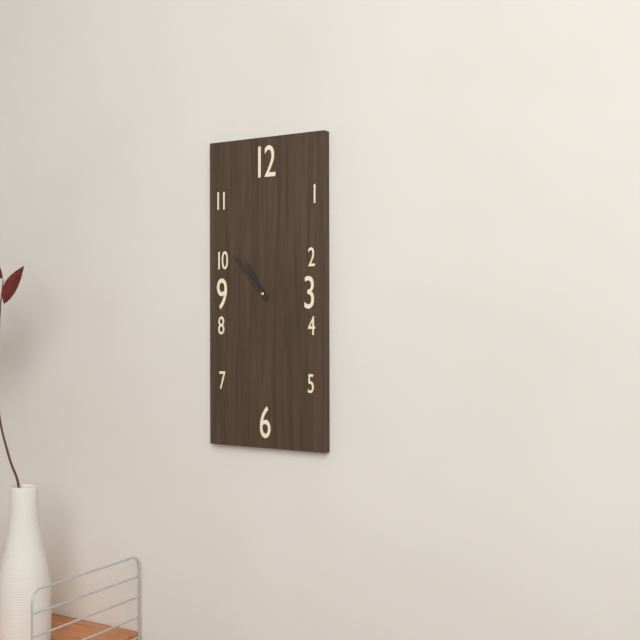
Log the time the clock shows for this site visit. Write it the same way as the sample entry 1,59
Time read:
10,53
